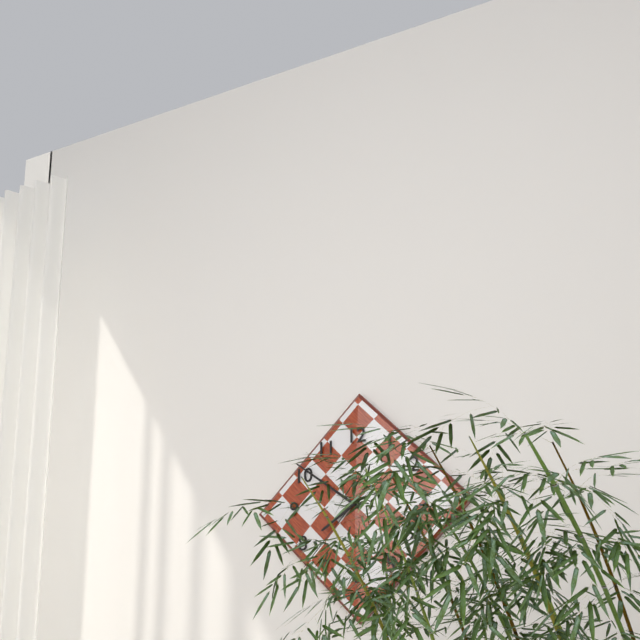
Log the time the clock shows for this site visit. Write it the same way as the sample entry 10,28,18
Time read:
7,51,37
